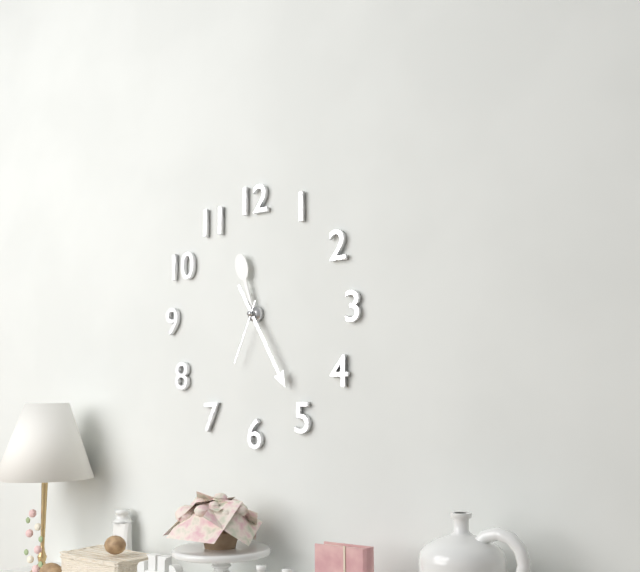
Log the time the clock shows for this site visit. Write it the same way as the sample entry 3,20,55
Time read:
11,25,34
